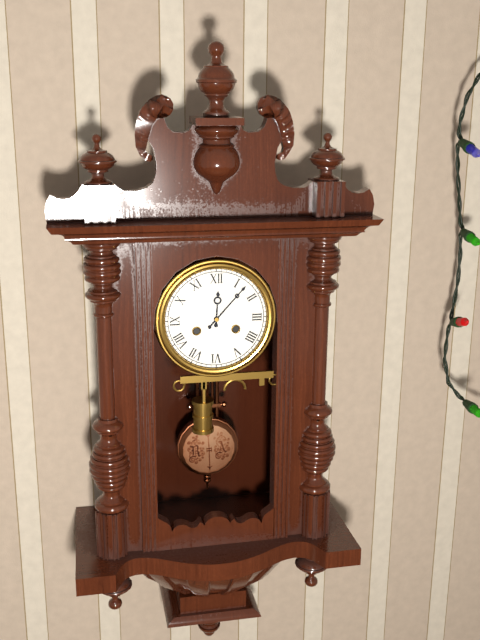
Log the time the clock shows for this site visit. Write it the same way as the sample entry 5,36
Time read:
12,07
